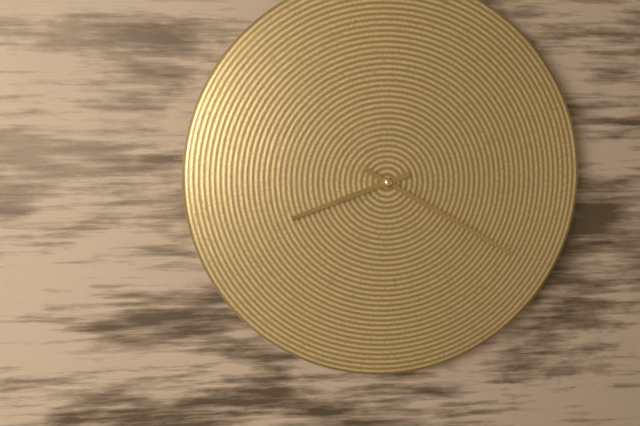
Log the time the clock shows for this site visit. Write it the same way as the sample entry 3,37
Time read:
8,20
